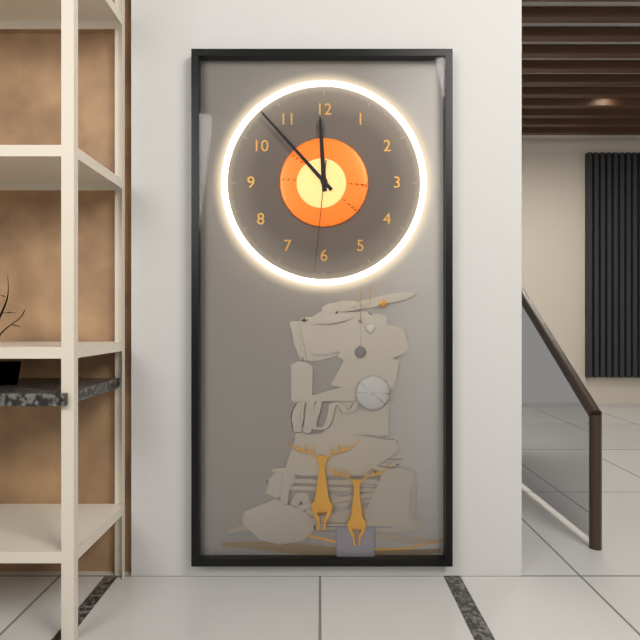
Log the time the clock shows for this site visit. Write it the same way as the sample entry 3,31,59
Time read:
11,53,31
